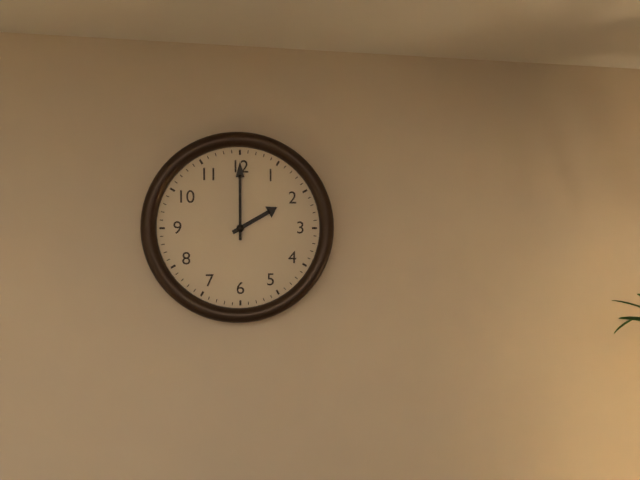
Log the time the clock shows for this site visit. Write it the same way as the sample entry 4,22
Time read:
2,00
